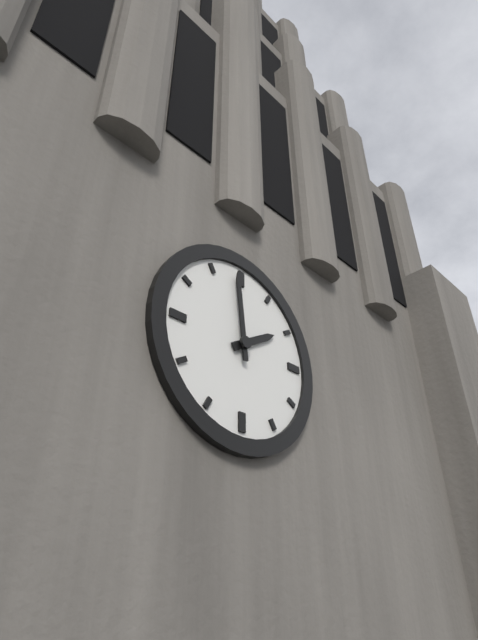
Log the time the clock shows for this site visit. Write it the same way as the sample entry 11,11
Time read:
1,59
